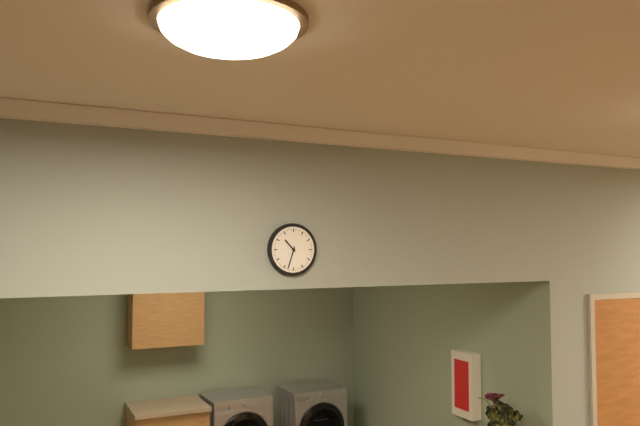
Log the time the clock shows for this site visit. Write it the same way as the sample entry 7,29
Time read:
10,33
